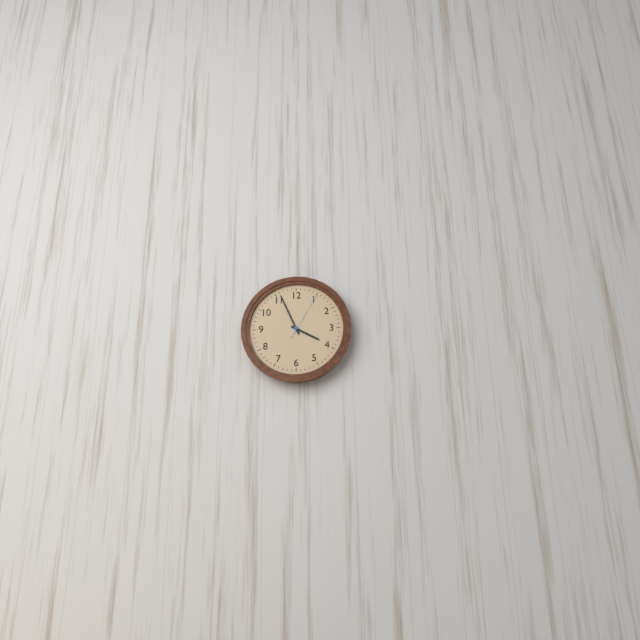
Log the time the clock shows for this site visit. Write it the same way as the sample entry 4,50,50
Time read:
3,56,05
